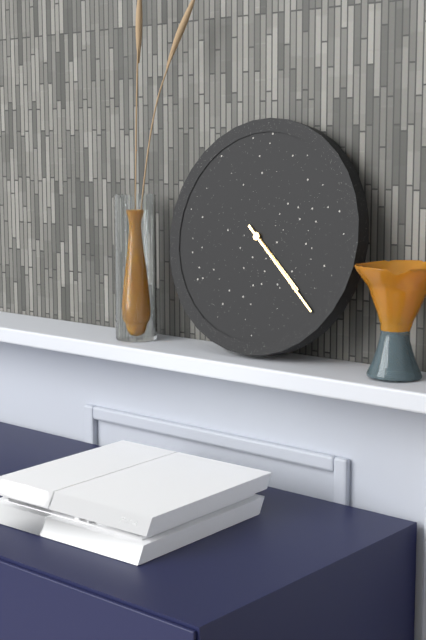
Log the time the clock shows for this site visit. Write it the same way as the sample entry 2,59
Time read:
4,22
